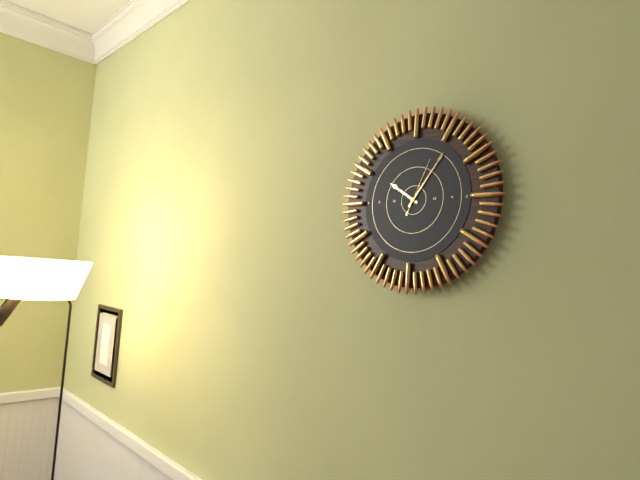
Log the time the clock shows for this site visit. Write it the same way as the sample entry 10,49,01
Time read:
10,06,04
